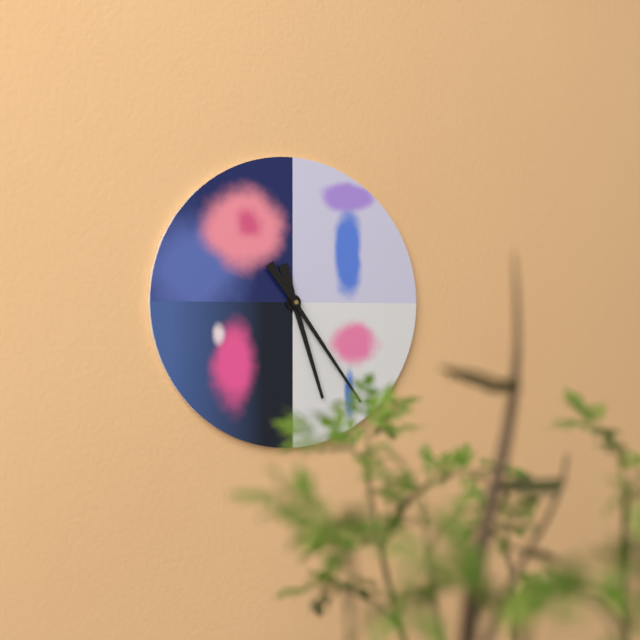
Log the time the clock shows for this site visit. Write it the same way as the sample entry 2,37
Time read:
5,24
